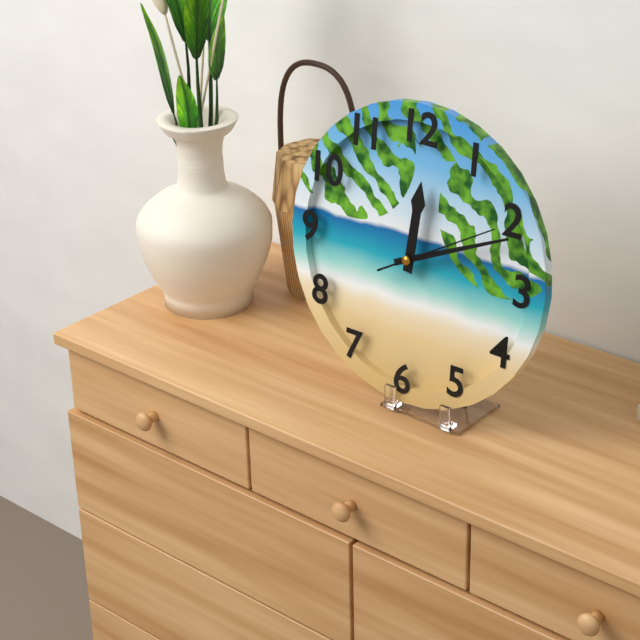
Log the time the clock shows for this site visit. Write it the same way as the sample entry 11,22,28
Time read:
12,11,10
